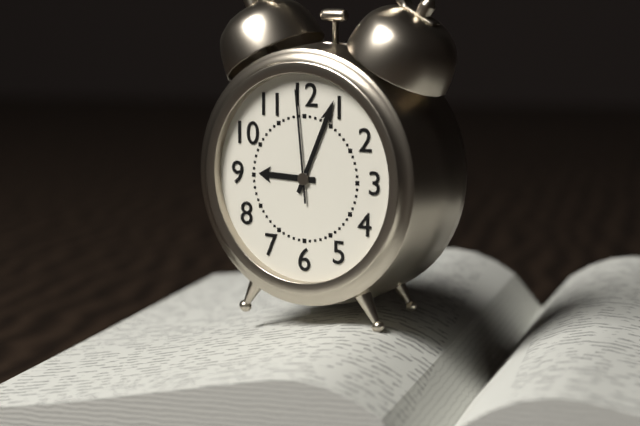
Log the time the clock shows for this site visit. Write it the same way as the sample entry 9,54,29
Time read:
9,04,59
